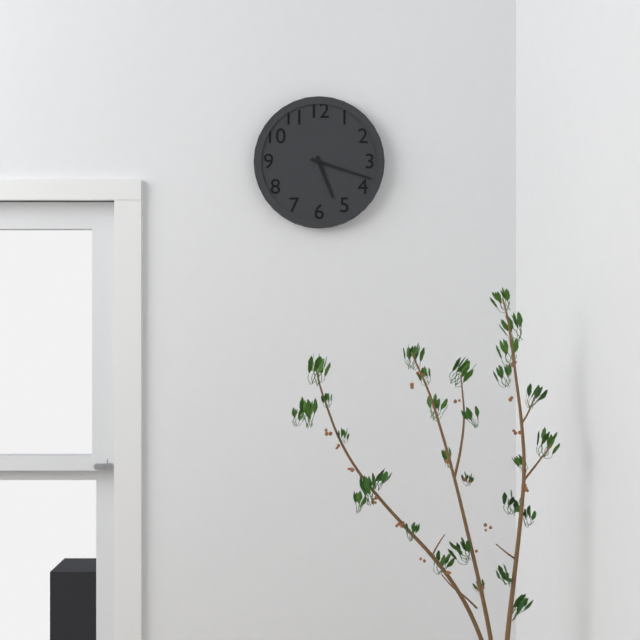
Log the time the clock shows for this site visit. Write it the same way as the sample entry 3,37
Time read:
5,18
